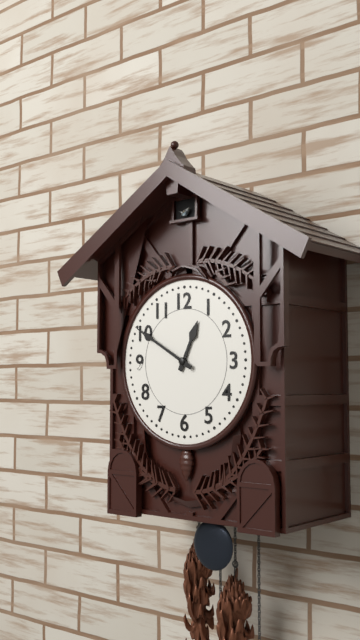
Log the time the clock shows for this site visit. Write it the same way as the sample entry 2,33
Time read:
12,50
